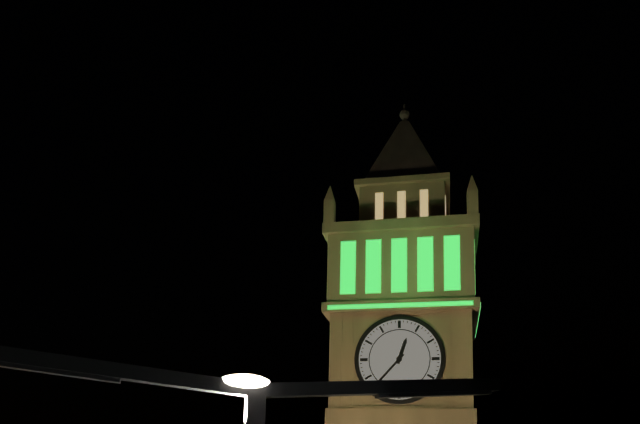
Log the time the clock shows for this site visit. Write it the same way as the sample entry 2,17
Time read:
12,37
